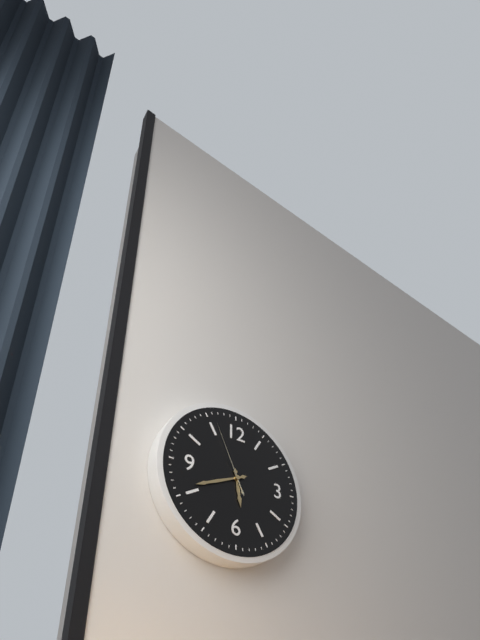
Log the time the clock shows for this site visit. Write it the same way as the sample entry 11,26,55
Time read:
5,41,56
